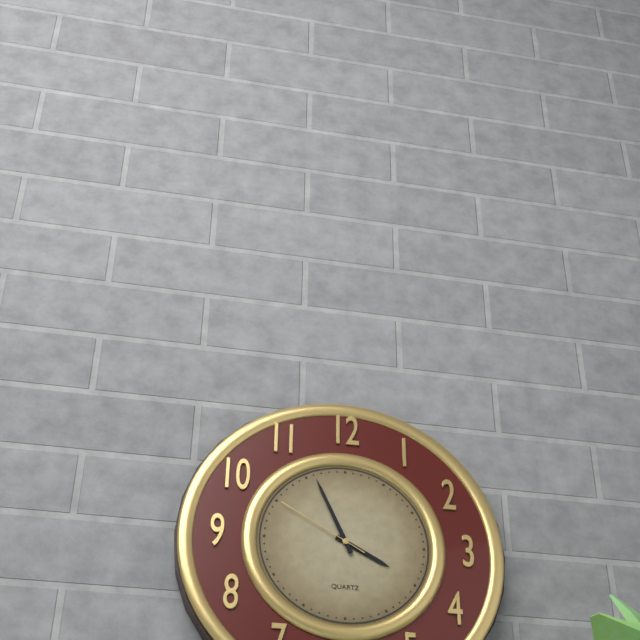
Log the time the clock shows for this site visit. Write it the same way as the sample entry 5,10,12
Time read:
3,56,50
